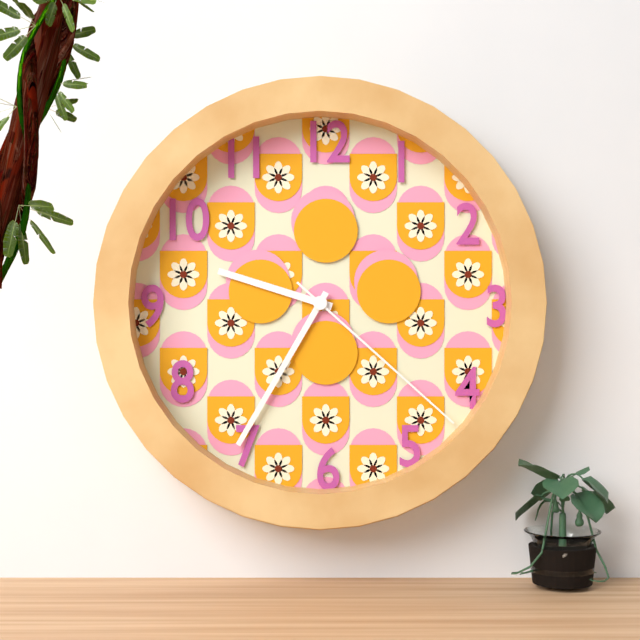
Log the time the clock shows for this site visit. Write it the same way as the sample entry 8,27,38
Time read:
9,35,22
